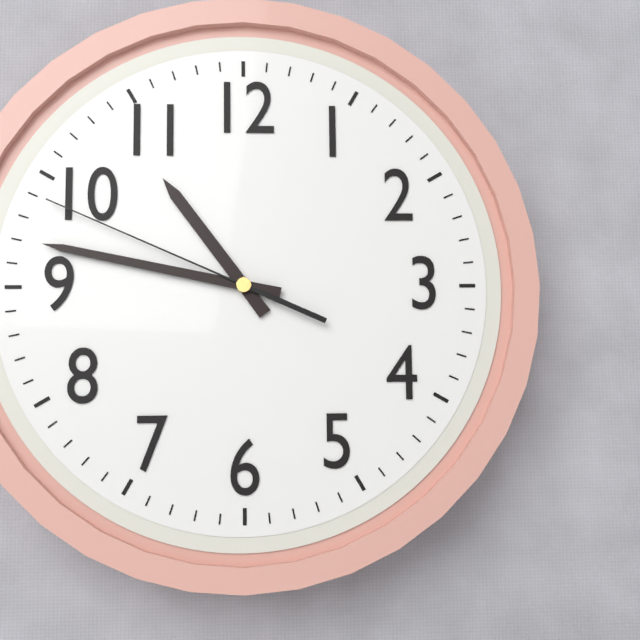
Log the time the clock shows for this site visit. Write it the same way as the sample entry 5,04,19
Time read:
10,47,49
